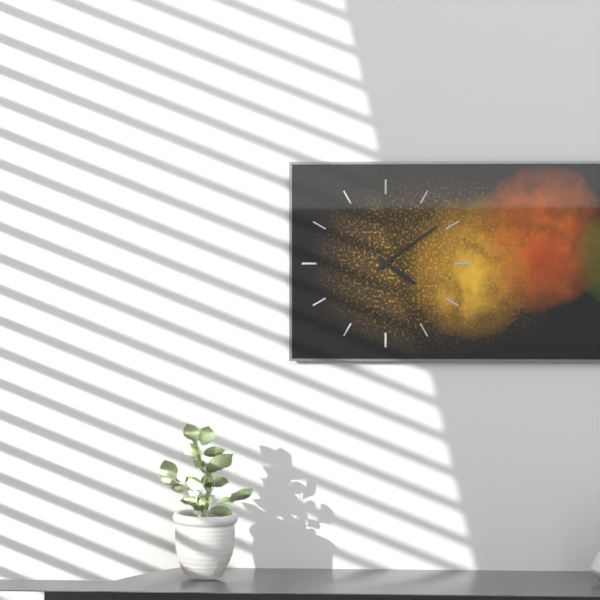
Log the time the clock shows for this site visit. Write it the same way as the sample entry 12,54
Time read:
4,09
